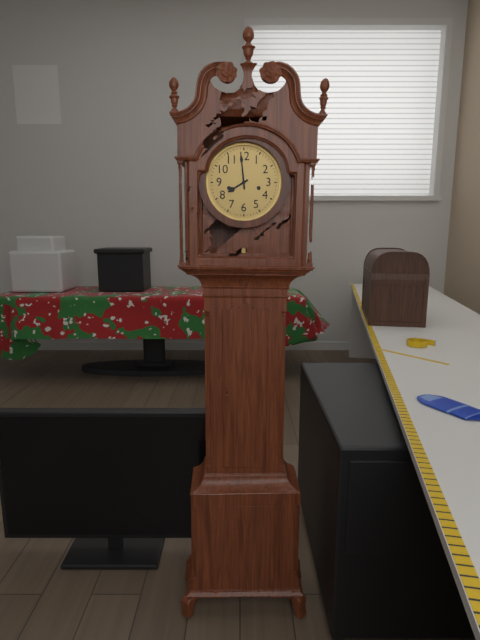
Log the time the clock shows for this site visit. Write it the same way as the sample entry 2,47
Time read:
7,59
